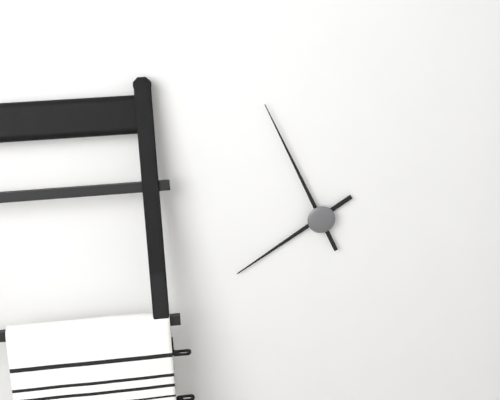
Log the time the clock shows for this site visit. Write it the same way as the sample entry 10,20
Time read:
7,56
